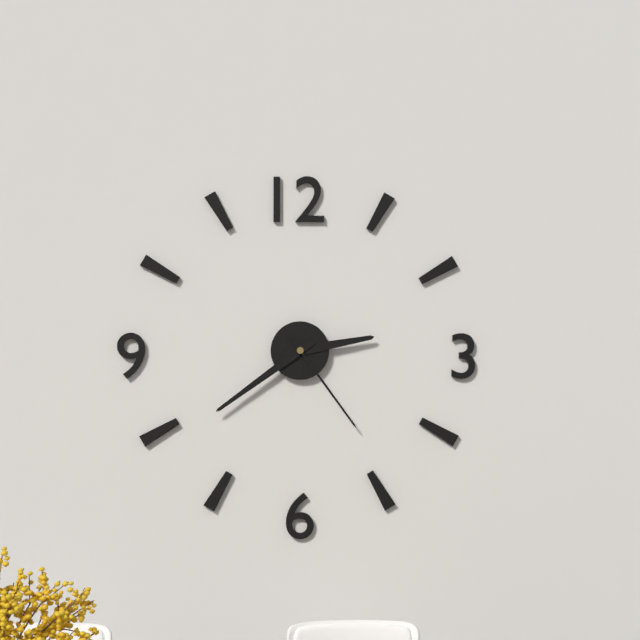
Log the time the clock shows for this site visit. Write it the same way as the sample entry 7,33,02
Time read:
2,39,24
